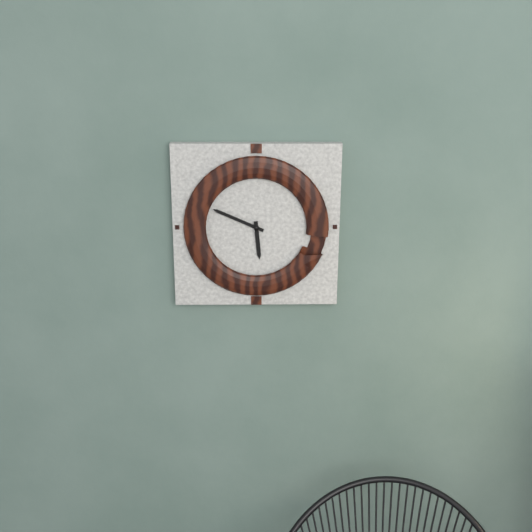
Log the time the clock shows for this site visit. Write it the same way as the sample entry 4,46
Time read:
5,49
